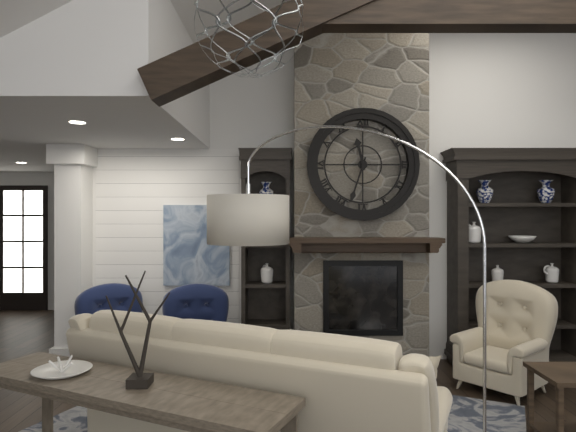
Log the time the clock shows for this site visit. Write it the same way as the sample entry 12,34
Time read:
11,33
